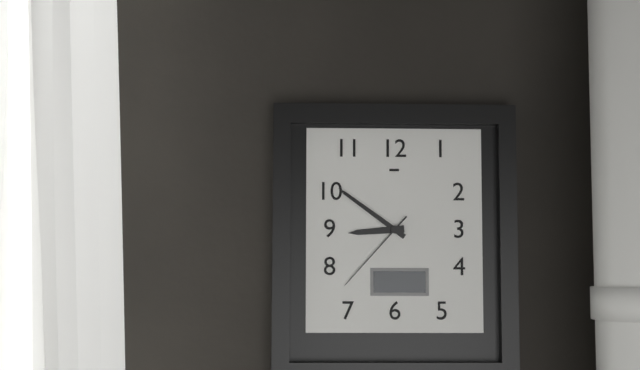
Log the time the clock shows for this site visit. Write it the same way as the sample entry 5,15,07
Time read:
8,51,37
